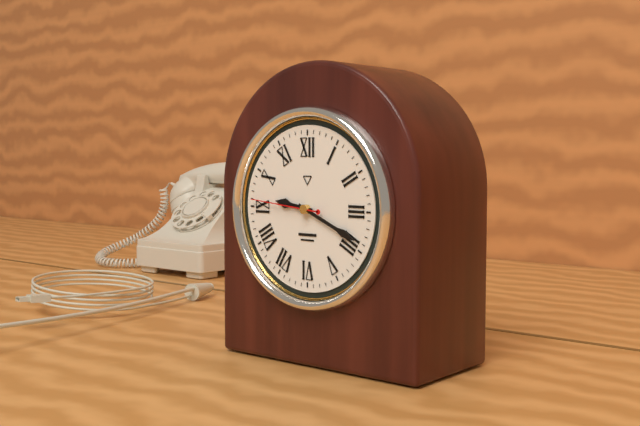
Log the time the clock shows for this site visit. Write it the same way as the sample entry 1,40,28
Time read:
9,19,46
